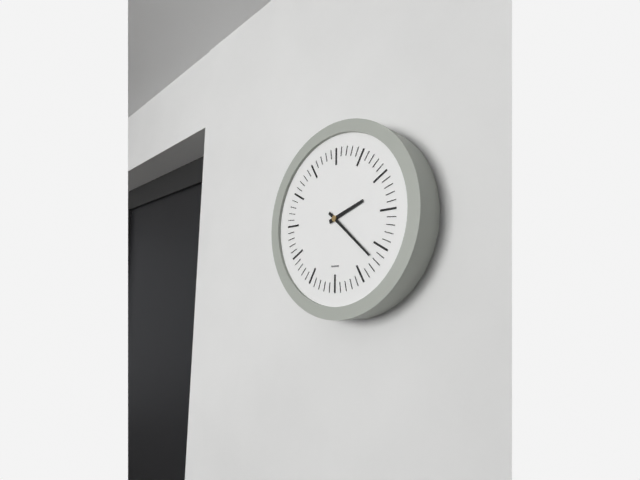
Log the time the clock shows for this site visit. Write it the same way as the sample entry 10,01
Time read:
2,22
